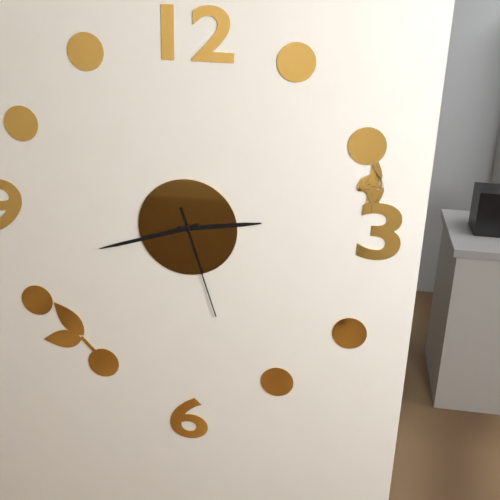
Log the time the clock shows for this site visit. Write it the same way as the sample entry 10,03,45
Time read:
2,42,27
